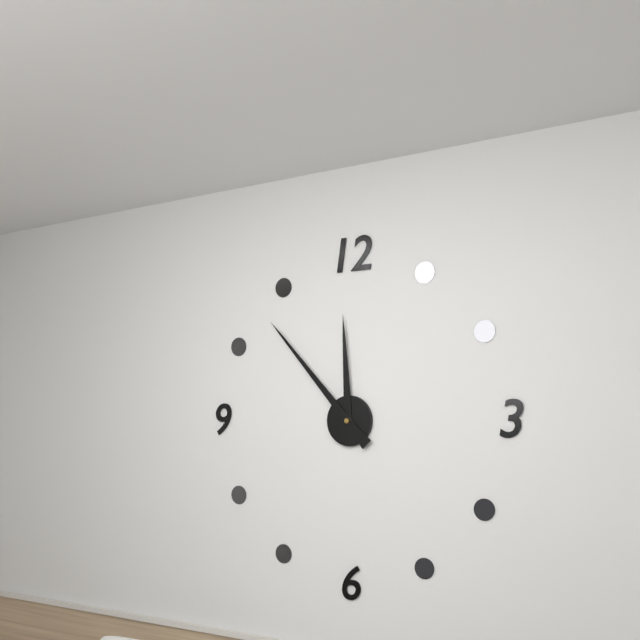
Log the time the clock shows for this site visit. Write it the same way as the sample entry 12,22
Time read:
11,53
